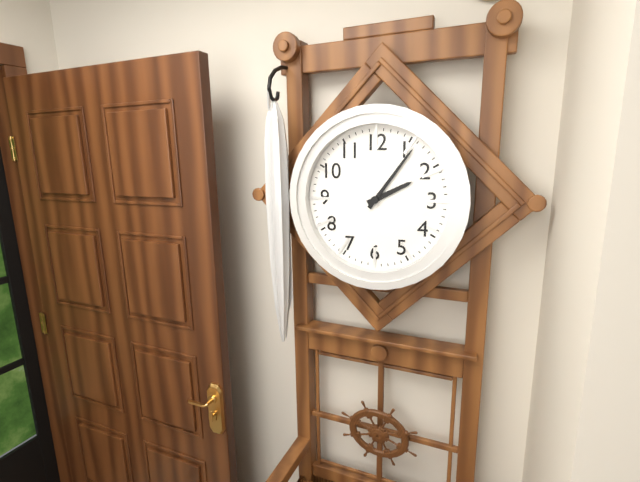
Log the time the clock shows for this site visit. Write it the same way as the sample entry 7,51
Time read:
2,06
